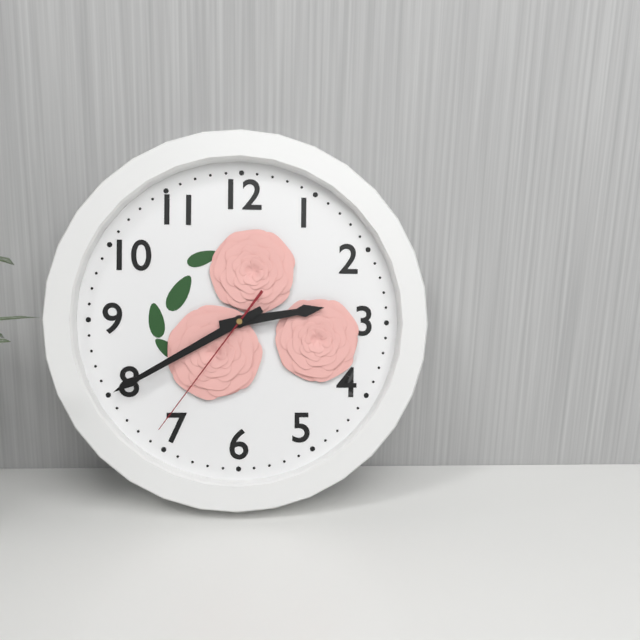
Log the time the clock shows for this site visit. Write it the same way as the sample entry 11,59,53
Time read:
2,40,36
